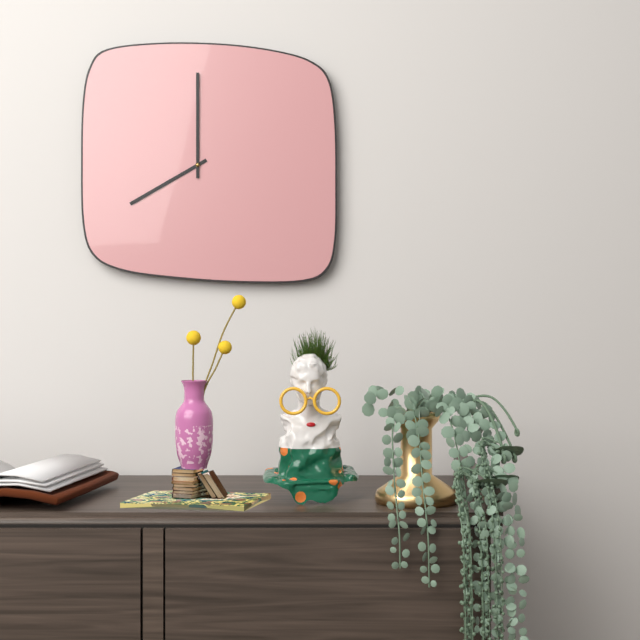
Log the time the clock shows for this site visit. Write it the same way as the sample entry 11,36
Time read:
8,00
